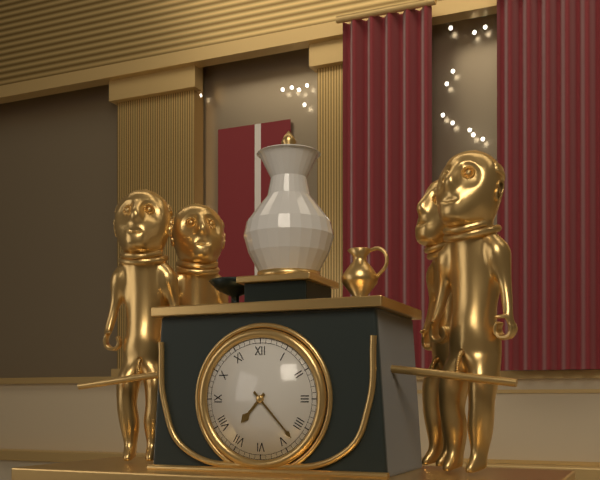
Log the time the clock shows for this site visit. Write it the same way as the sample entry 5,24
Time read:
7,23
